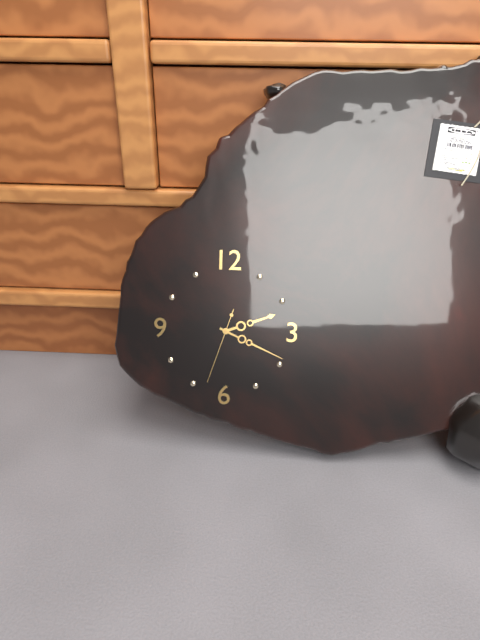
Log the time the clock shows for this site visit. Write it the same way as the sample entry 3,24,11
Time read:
2,19,33
